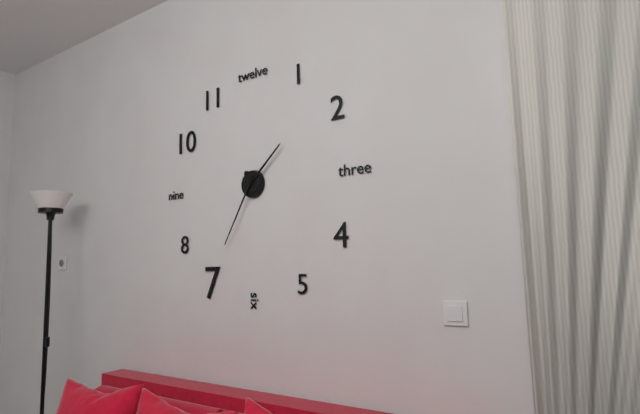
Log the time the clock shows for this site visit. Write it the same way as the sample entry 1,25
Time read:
1,35
